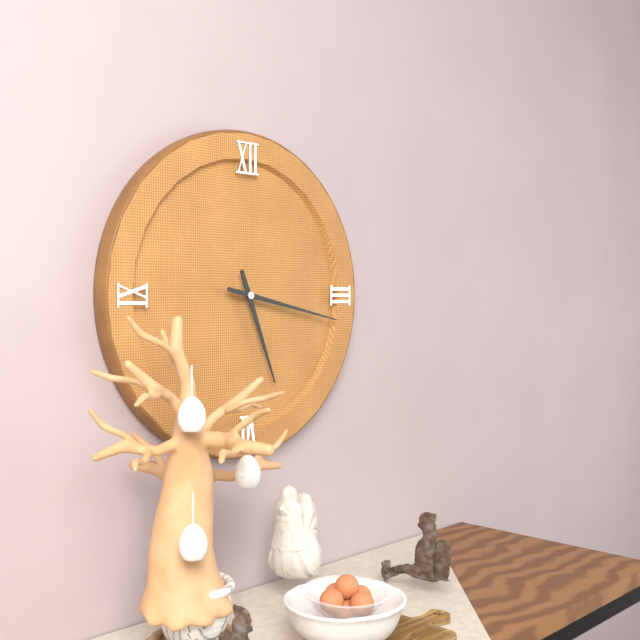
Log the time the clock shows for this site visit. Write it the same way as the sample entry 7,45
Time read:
5,17
